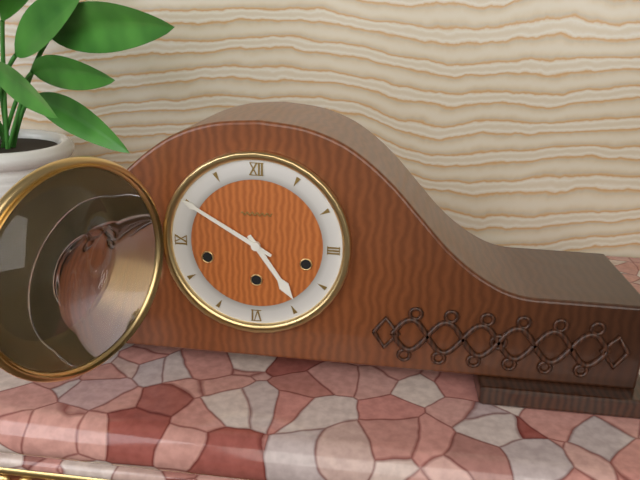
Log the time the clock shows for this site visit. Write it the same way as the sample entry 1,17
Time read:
4,50
